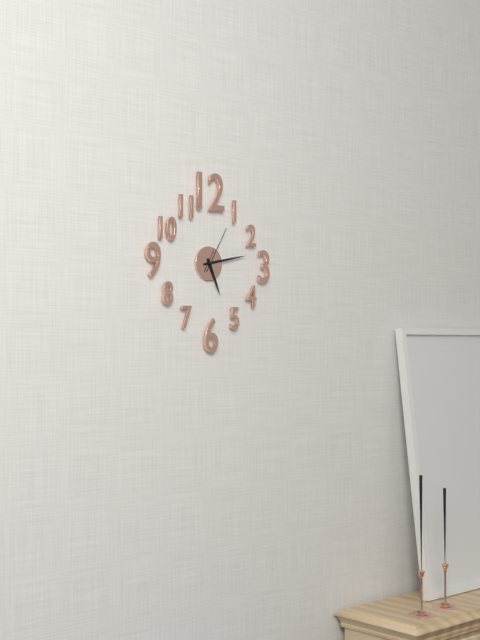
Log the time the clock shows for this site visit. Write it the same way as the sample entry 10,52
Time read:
5,13
